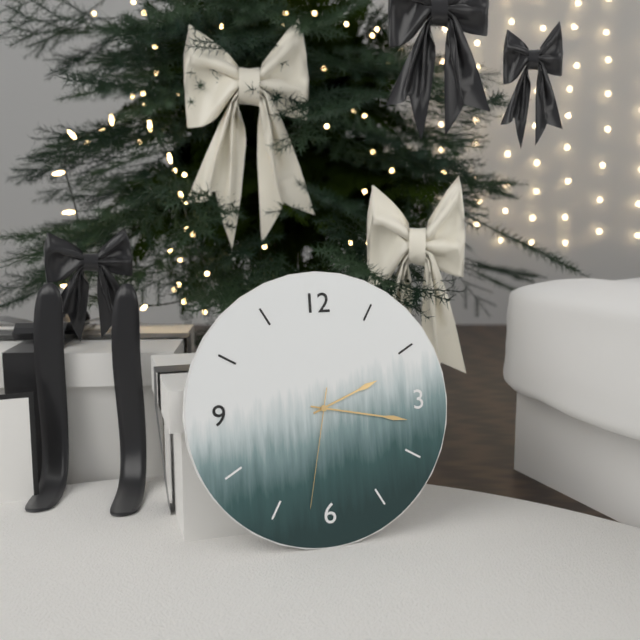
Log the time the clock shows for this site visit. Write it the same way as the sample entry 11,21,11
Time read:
2,17,32
